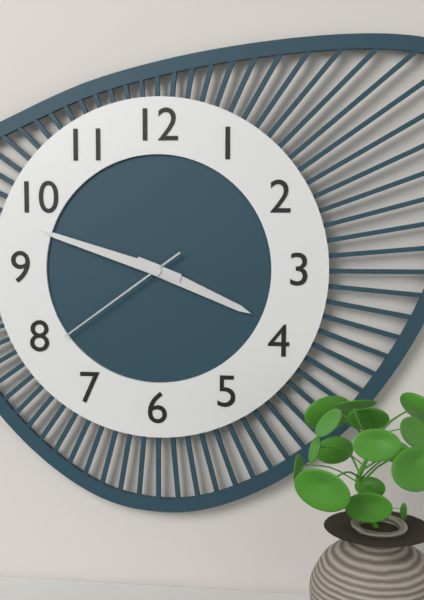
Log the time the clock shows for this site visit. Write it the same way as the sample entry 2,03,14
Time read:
3,48,39
